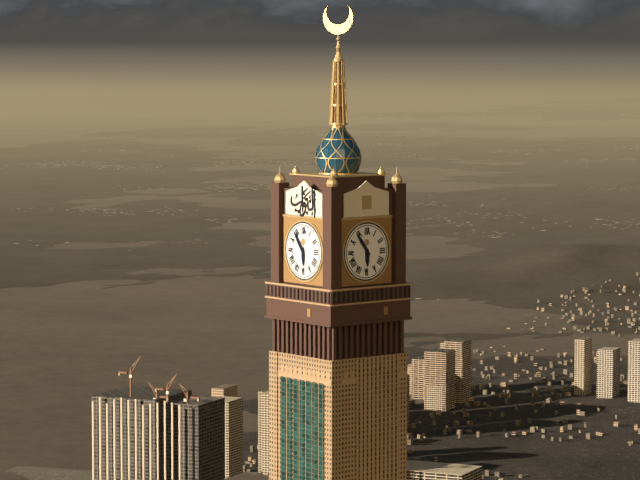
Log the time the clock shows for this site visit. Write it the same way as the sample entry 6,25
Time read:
5,54
